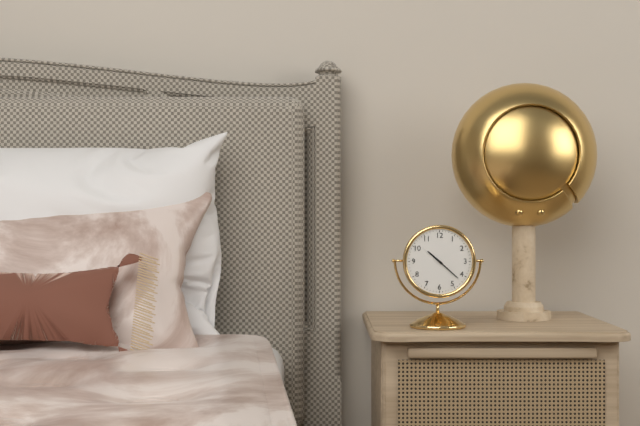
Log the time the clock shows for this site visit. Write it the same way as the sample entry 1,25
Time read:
10,22
